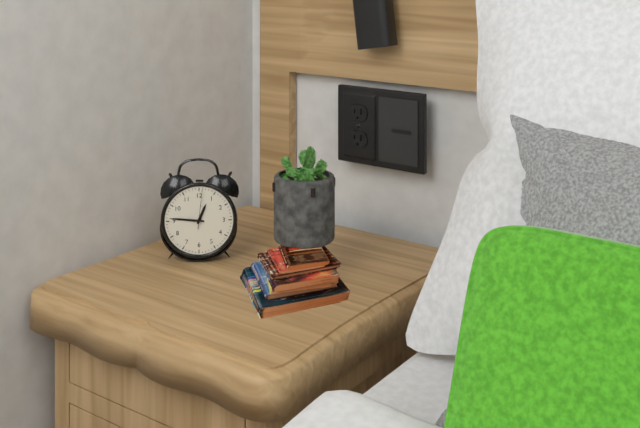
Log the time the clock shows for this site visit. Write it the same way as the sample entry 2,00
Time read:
12,46
